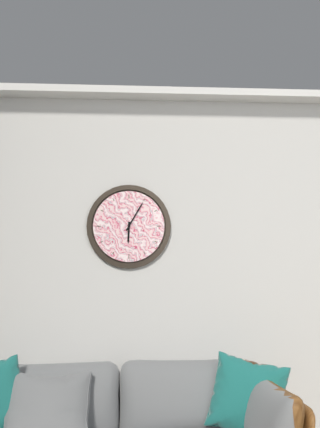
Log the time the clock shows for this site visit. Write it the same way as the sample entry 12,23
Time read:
6,05
